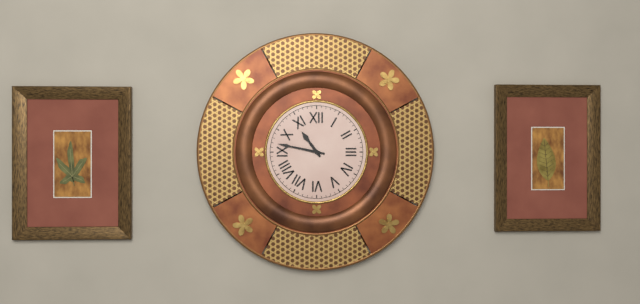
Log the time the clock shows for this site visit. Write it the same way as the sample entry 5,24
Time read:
10,47
